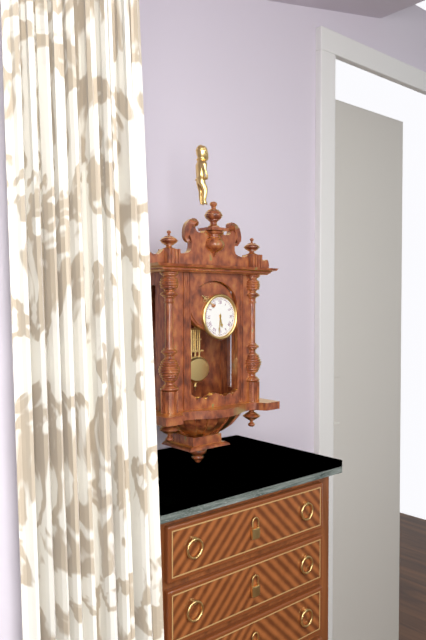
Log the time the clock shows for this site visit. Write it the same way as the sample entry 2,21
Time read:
5,31
